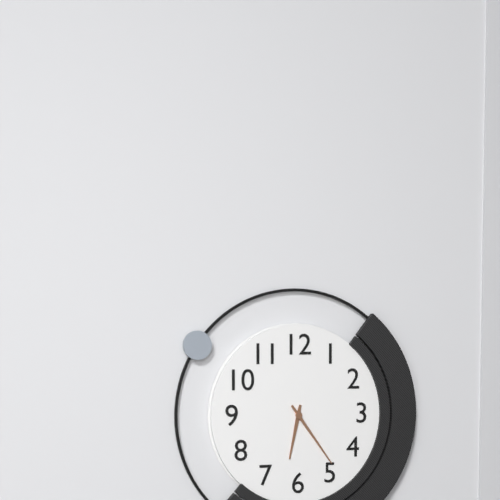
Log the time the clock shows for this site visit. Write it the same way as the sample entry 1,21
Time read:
6,24
